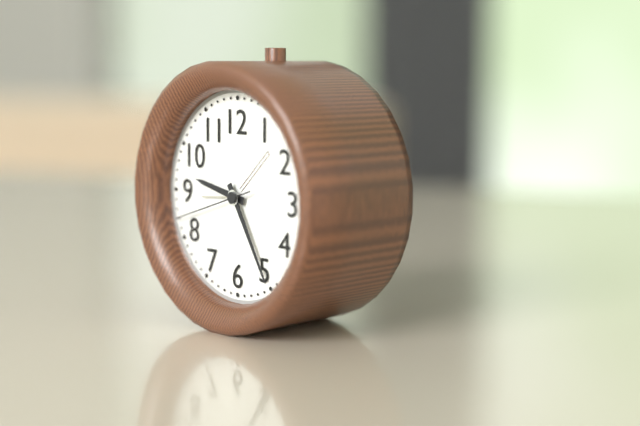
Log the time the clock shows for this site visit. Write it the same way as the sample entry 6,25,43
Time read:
9,25,42
